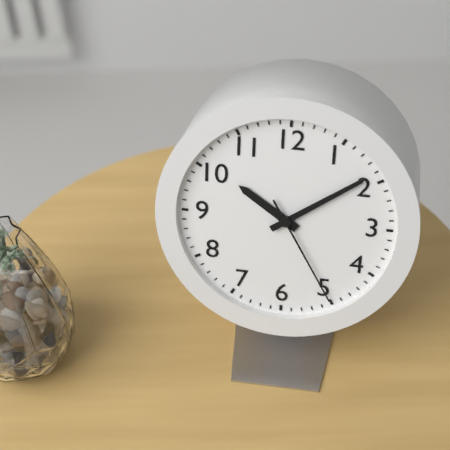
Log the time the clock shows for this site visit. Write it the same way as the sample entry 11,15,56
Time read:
10,09,25
